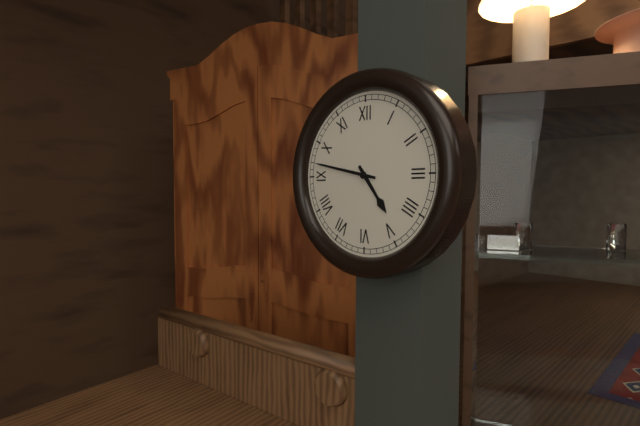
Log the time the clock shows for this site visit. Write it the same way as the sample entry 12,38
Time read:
4,47
